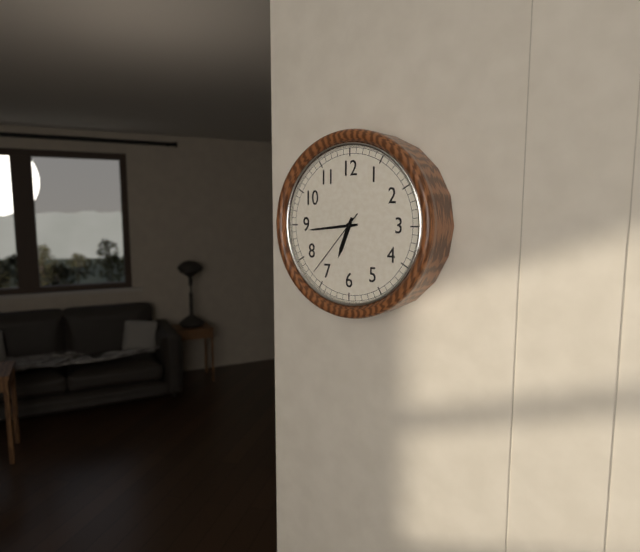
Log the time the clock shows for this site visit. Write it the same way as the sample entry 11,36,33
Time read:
6,44,37
